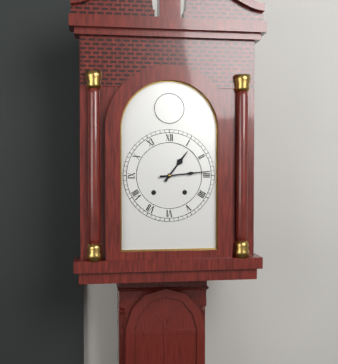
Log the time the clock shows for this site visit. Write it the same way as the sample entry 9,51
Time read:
1,14
